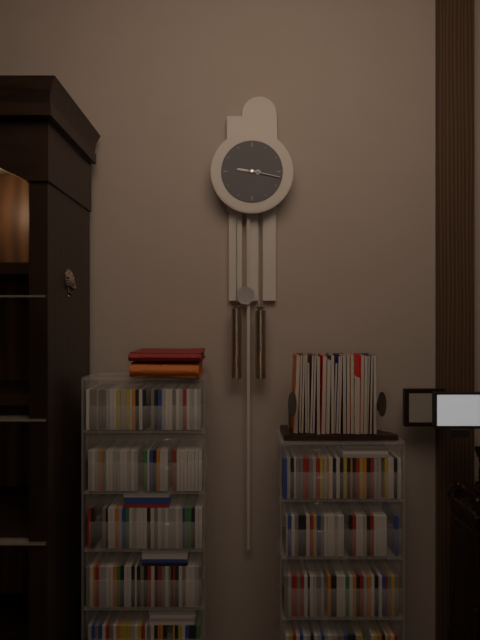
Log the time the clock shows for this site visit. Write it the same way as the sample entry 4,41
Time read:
9,17
